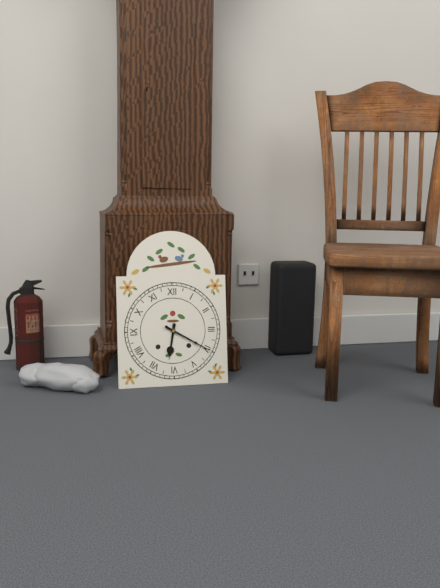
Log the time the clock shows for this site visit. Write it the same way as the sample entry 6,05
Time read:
6,20
